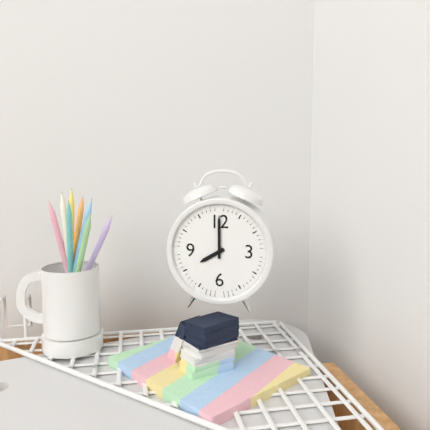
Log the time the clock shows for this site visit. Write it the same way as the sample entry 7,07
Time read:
8,00
